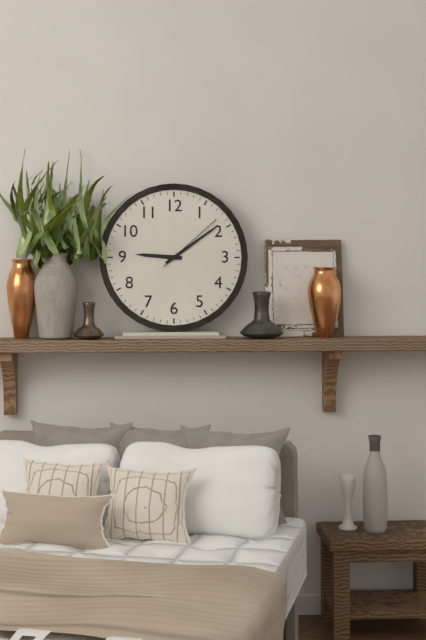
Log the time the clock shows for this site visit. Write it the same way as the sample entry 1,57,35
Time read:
9,09,08
